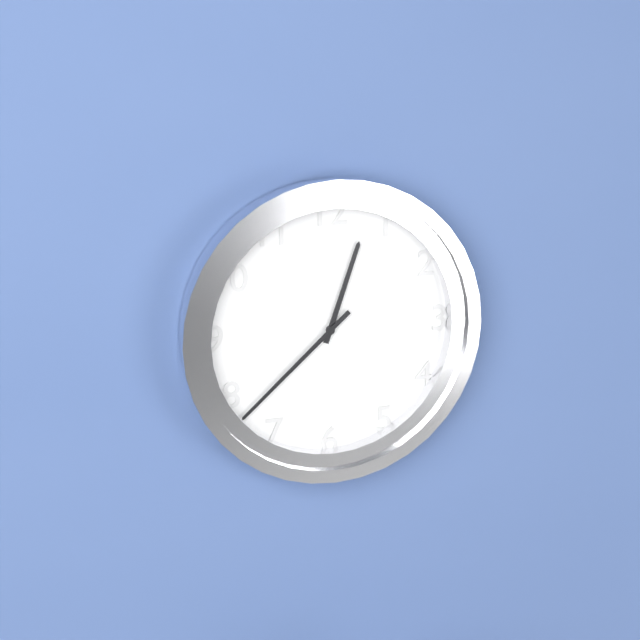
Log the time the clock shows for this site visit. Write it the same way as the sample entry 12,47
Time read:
12,38
